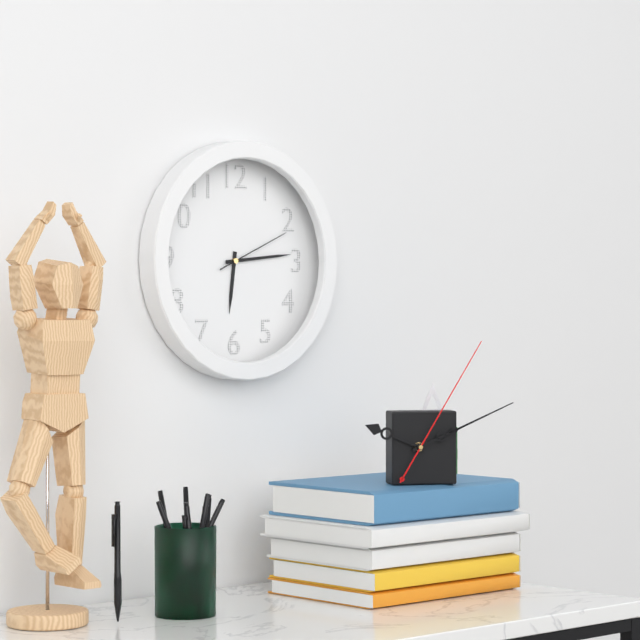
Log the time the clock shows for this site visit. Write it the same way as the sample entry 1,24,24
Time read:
6,14,11
